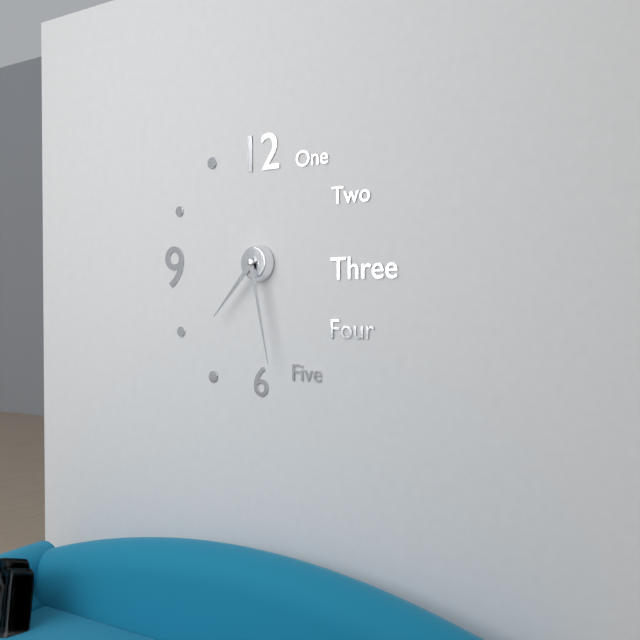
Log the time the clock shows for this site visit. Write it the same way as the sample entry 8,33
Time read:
7,28
